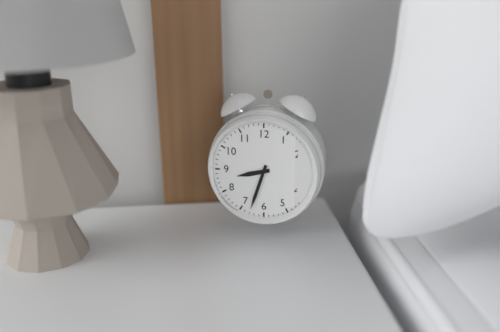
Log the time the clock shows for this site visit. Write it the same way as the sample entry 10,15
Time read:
8,33
